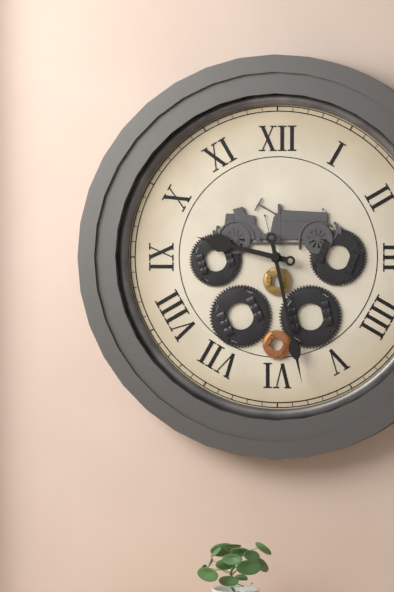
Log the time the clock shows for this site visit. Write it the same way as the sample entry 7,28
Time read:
9,28
